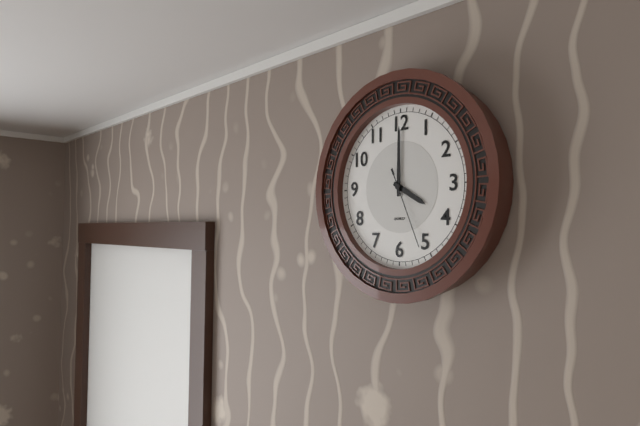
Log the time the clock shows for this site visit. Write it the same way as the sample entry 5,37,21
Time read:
4,00,26
